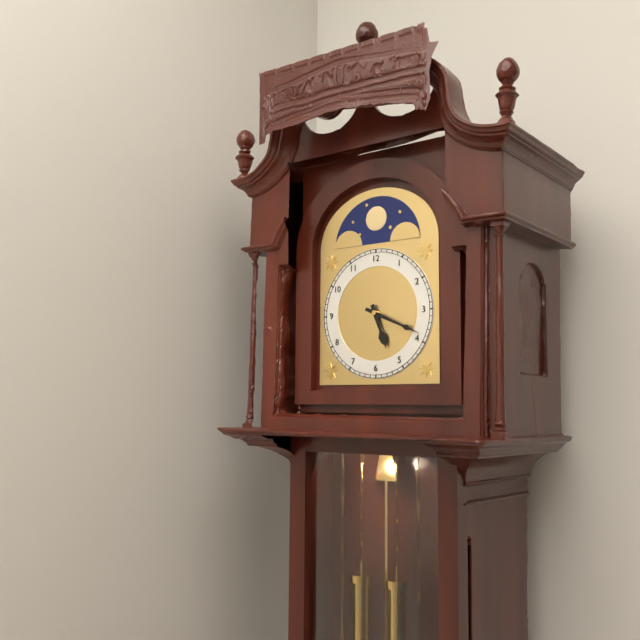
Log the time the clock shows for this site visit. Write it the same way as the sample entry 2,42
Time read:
5,19
